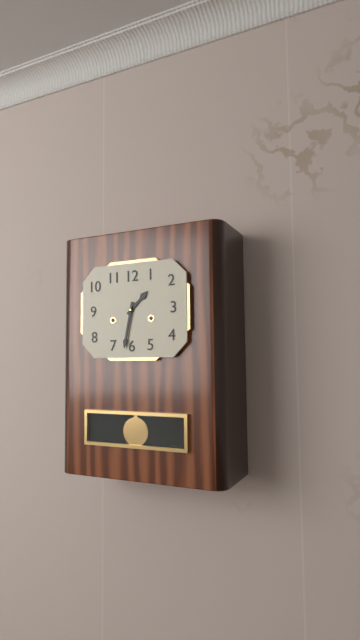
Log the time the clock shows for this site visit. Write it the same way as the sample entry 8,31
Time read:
1,32
